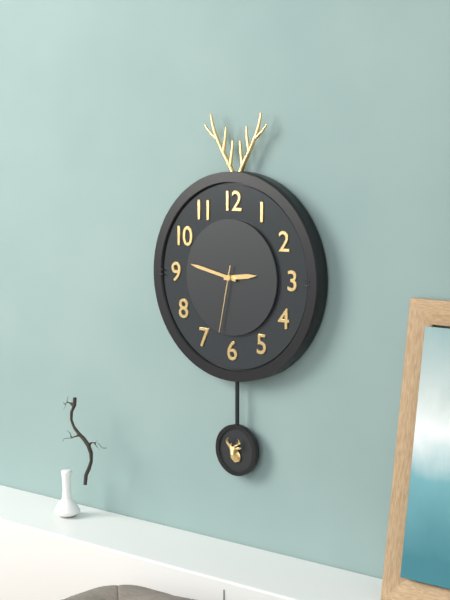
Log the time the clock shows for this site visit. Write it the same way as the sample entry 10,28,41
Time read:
2,47,32
